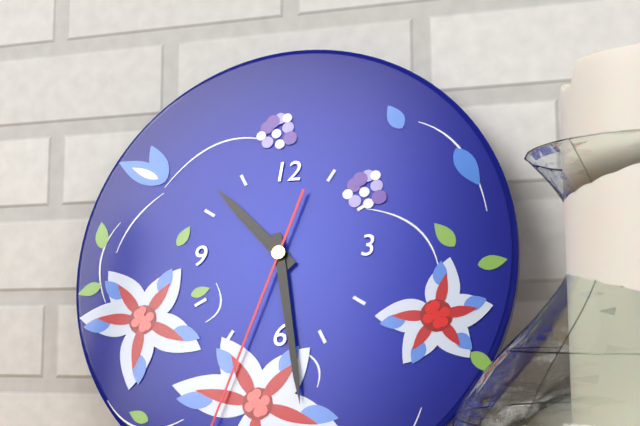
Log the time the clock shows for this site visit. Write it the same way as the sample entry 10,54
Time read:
10,28
